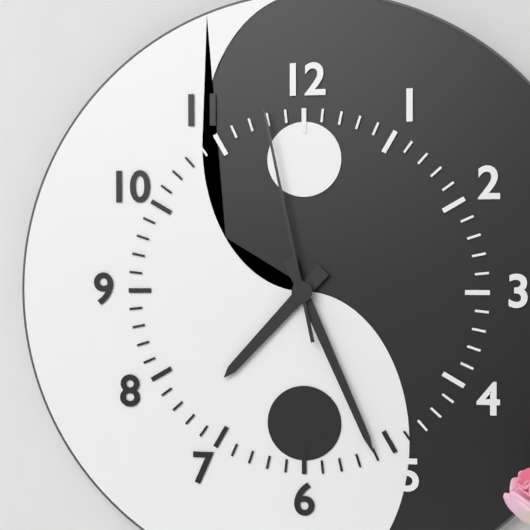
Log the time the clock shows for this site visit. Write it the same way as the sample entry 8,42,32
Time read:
7,26,58
